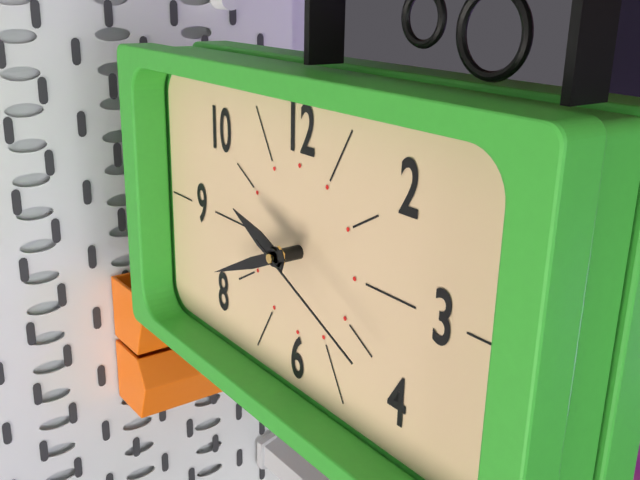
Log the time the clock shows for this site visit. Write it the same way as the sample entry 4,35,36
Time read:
9,41,19
